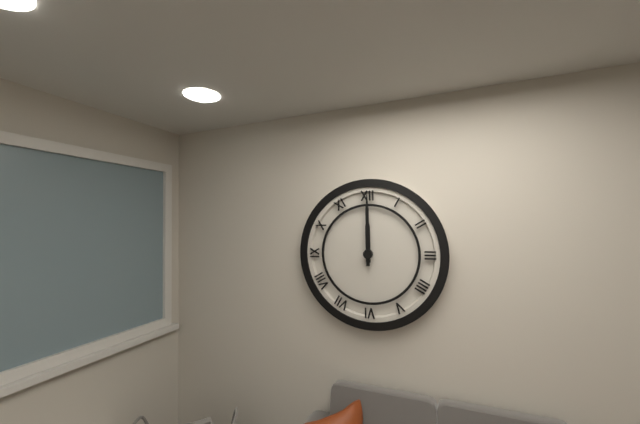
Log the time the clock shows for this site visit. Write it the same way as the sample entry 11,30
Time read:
12,00
